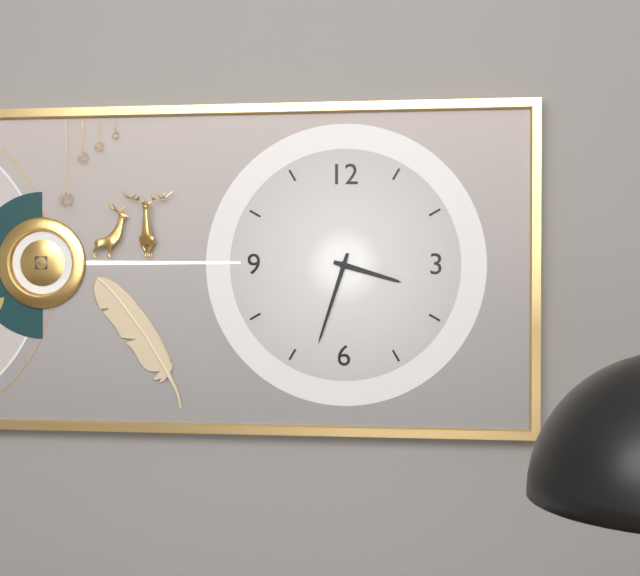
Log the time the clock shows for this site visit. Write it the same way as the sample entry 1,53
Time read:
3,33
